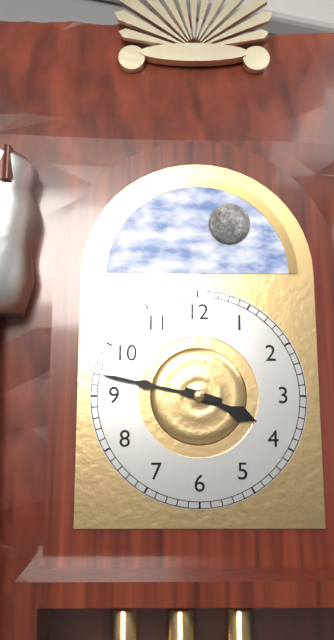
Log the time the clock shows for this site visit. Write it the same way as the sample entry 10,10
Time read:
3,47
